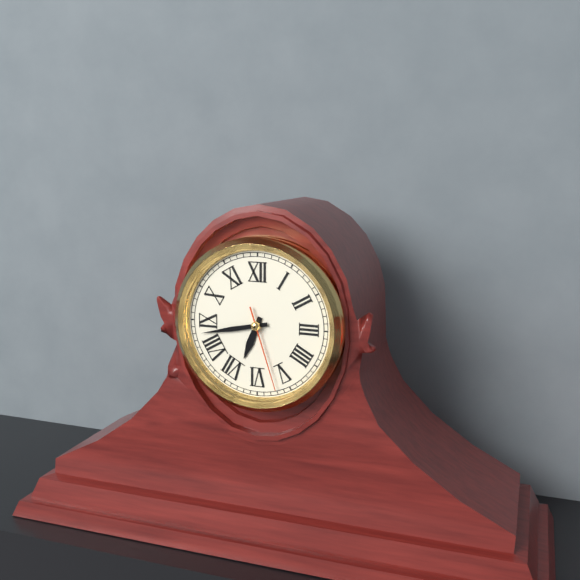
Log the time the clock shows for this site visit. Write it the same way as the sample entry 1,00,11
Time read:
6,43,27
